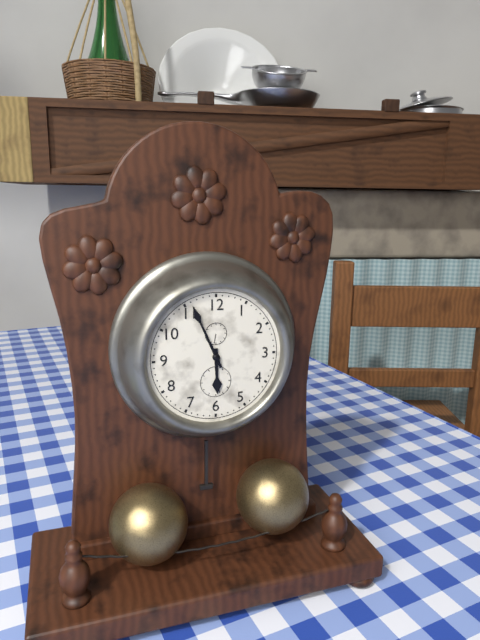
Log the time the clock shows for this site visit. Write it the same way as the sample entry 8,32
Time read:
5,56
